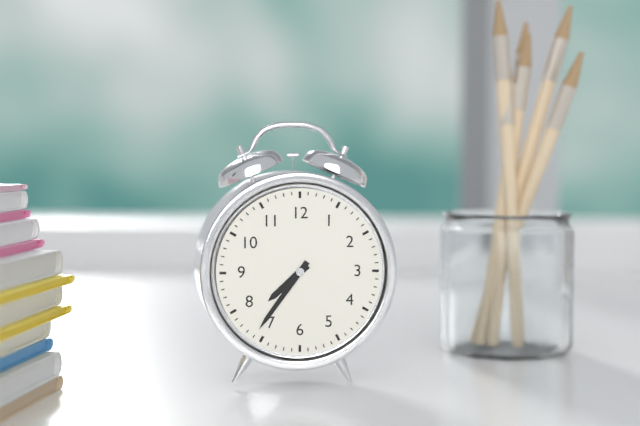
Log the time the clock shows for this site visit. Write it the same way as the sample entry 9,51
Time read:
7,36
